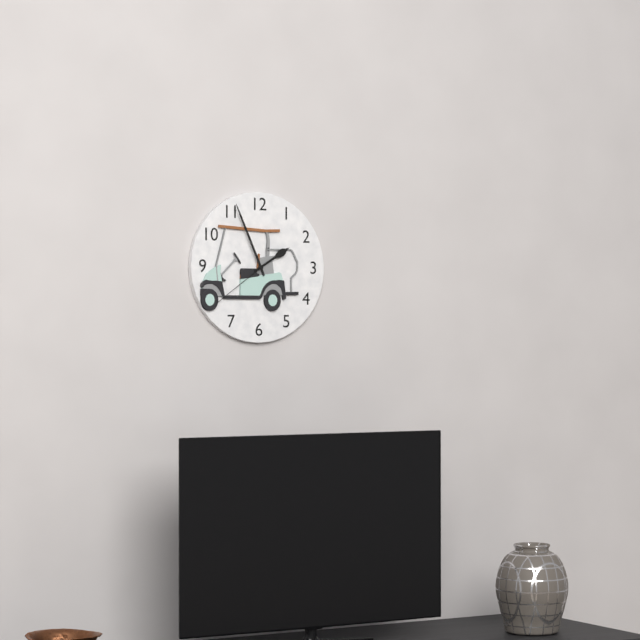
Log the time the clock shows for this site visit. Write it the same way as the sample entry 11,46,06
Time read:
1,56,39
